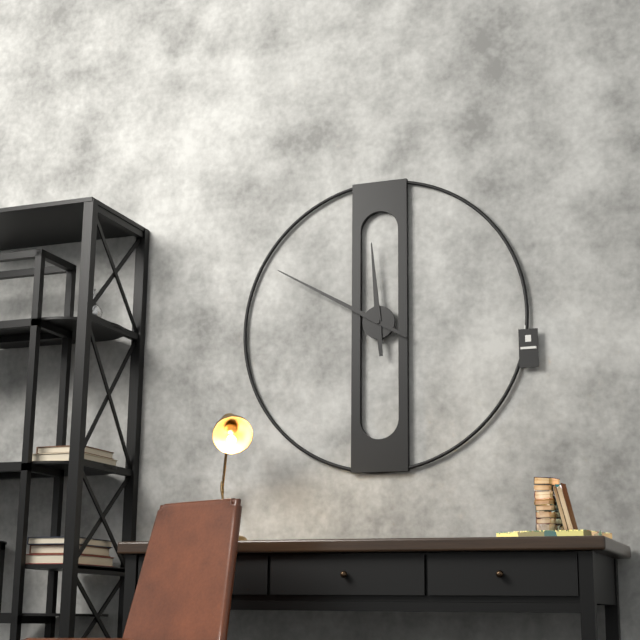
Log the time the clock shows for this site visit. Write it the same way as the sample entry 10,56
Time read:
11,50
